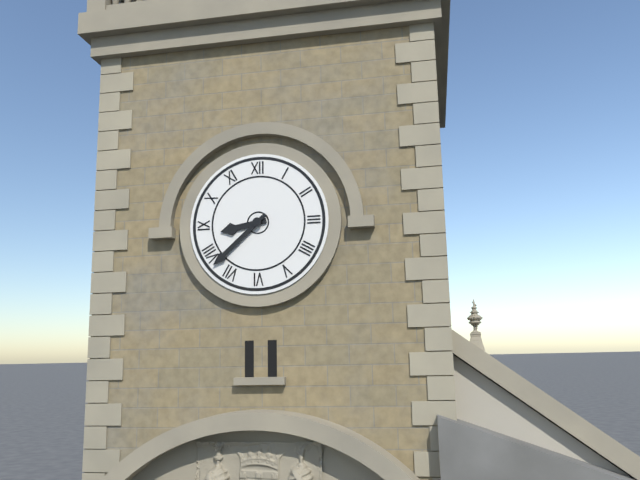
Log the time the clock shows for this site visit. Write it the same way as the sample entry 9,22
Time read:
8,38
